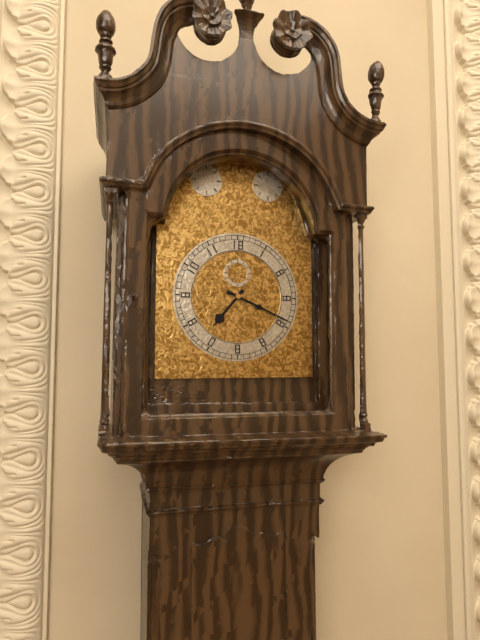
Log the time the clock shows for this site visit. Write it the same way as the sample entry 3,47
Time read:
7,19
